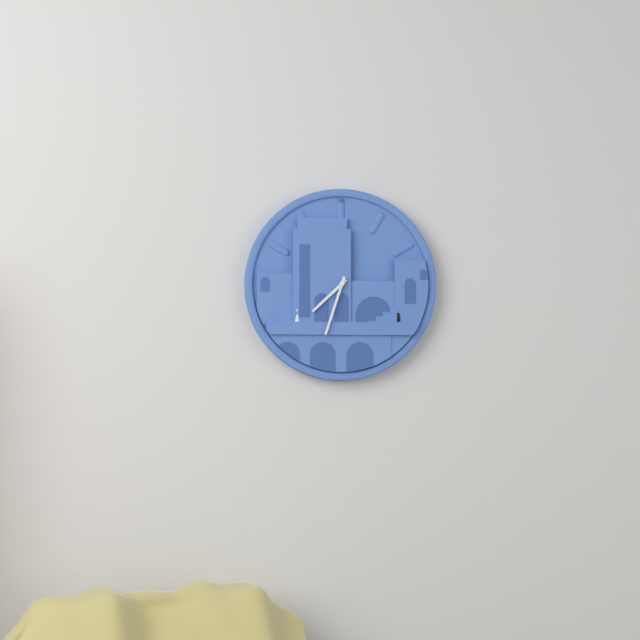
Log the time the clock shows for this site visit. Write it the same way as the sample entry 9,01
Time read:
7,33
